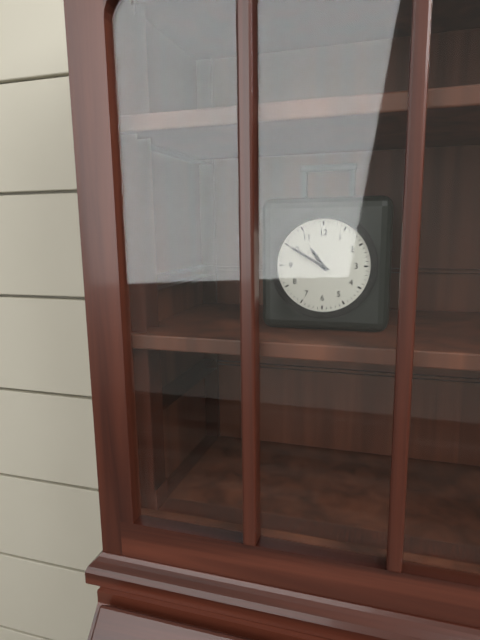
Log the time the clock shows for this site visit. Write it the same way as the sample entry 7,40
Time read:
10,50
